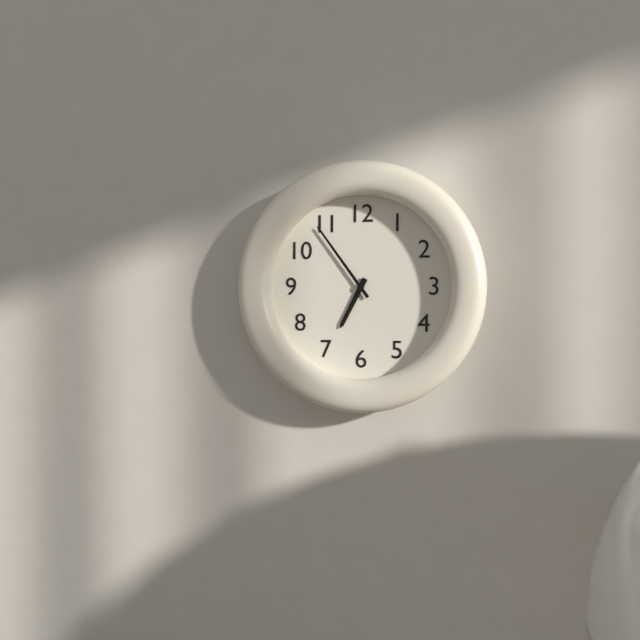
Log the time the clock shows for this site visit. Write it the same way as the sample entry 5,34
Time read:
6,54
